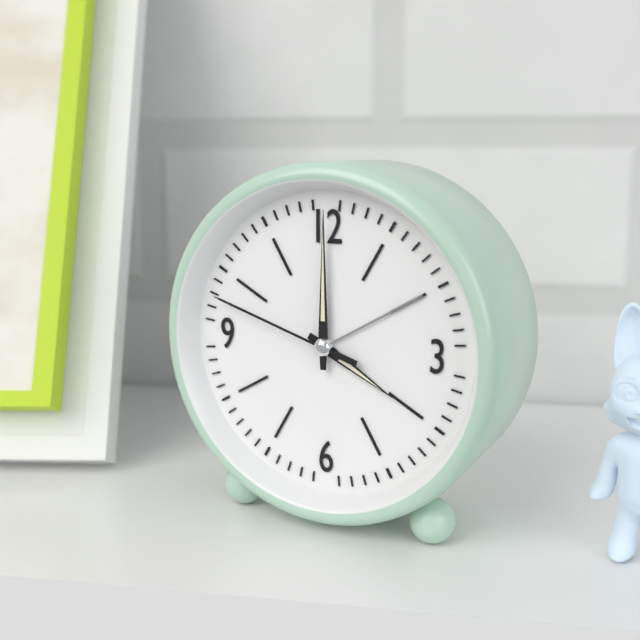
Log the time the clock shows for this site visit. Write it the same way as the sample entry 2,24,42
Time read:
4,00,48
